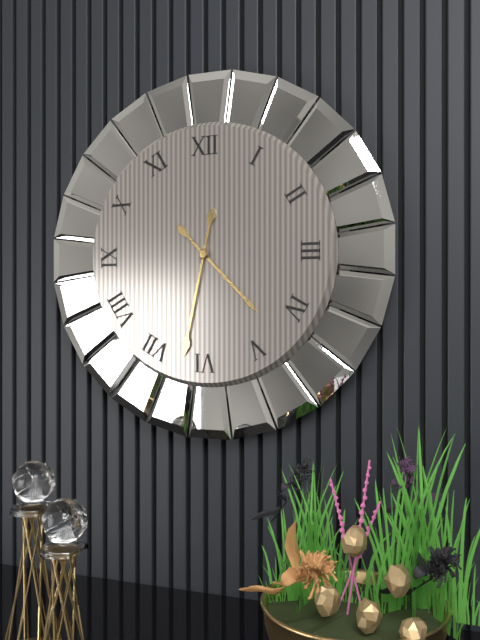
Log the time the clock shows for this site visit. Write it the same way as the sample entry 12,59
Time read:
4,32
